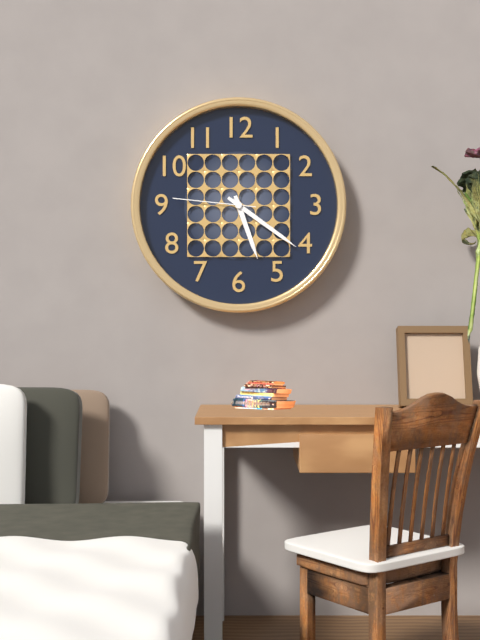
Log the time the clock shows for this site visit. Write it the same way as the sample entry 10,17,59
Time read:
5,21,46
